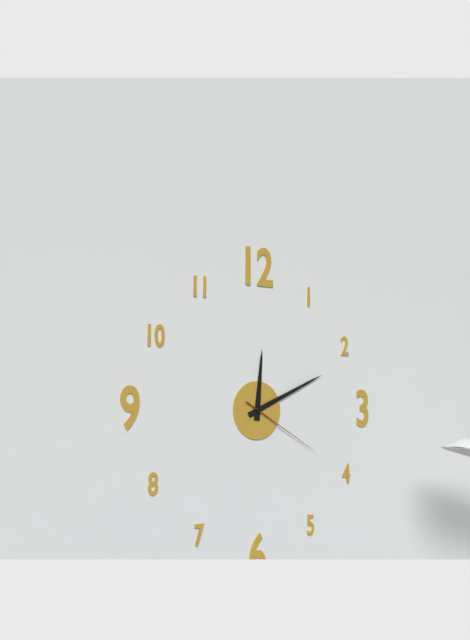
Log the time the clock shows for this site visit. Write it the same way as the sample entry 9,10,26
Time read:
12,11,20
